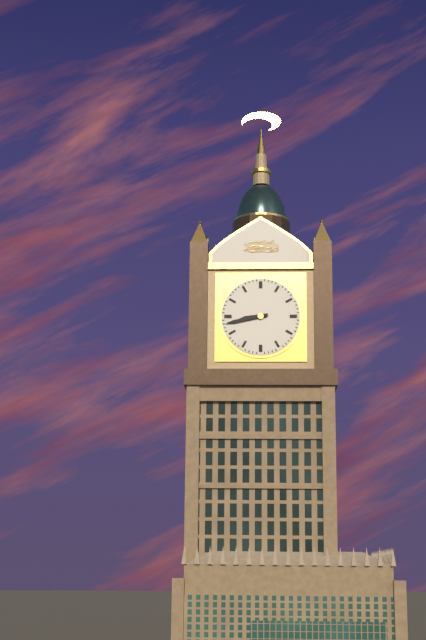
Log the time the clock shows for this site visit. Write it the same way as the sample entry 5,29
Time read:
8,43
